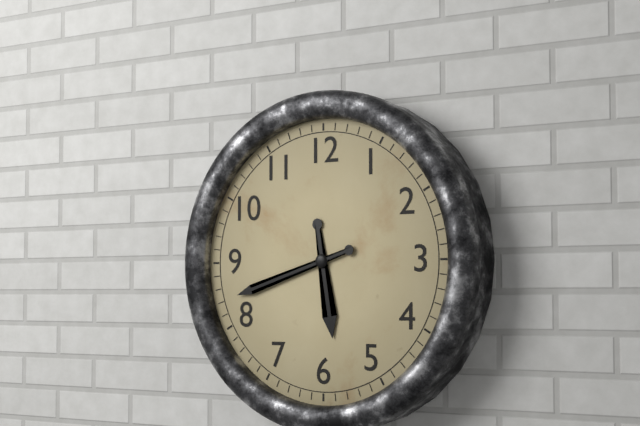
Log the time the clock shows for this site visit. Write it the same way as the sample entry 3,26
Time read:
5,42
